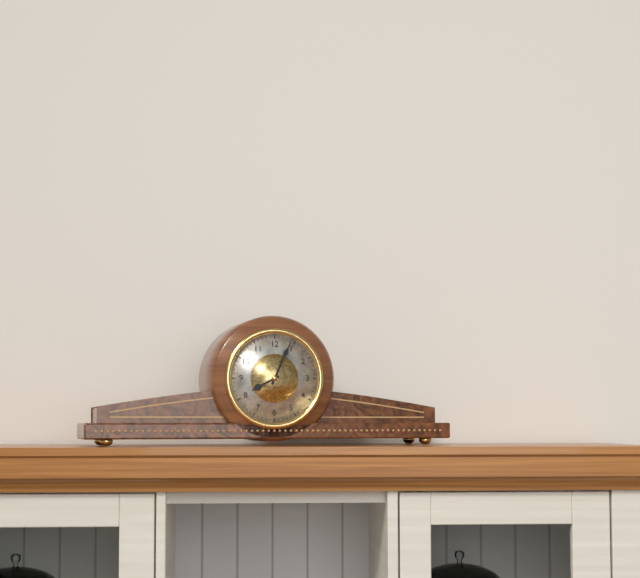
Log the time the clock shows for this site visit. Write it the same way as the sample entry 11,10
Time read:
8,04
